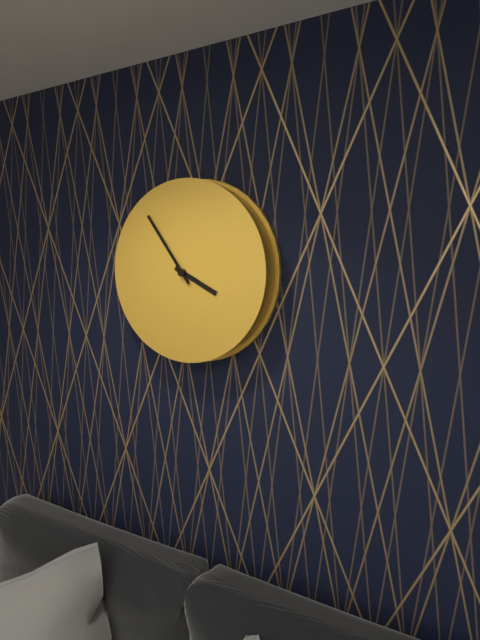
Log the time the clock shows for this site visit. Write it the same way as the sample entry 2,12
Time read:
3,54
